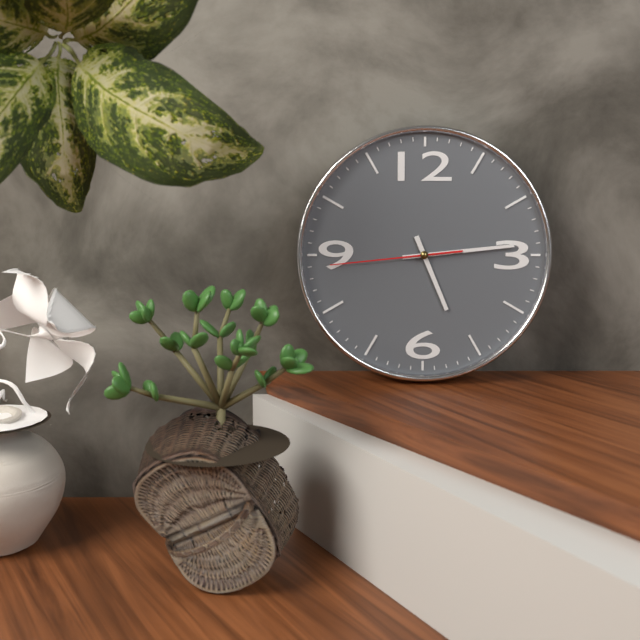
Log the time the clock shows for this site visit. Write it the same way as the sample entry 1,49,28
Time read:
5,14,44
